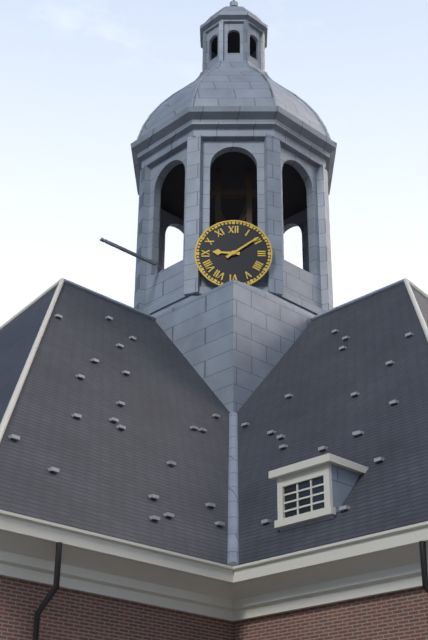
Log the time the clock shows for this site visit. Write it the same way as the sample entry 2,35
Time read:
9,09
